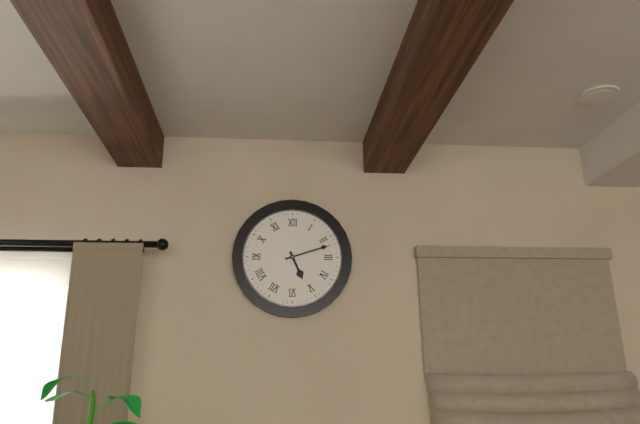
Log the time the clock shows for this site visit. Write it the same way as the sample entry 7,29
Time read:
5,12
